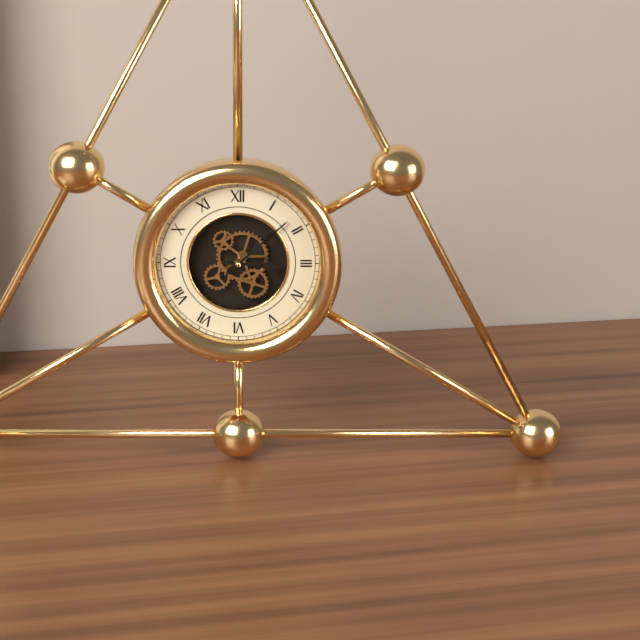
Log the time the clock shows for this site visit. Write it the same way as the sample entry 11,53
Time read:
3,08
